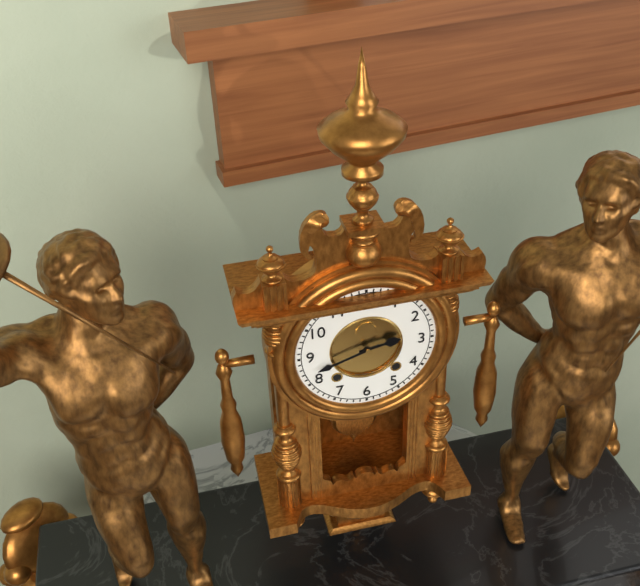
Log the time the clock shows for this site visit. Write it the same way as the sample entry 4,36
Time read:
2,42
